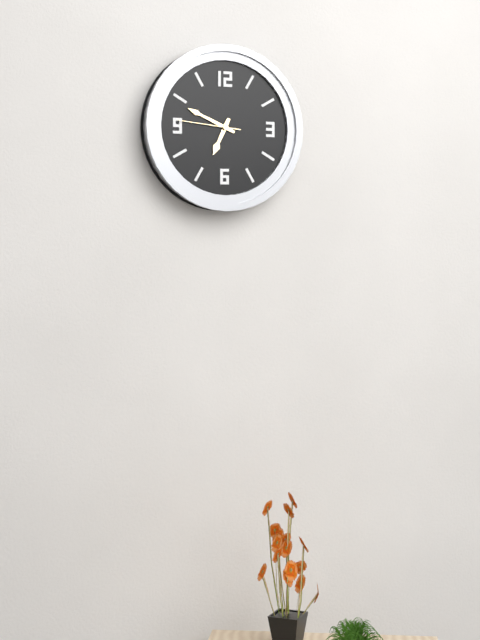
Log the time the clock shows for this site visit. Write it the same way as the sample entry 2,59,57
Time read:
6,49,46
